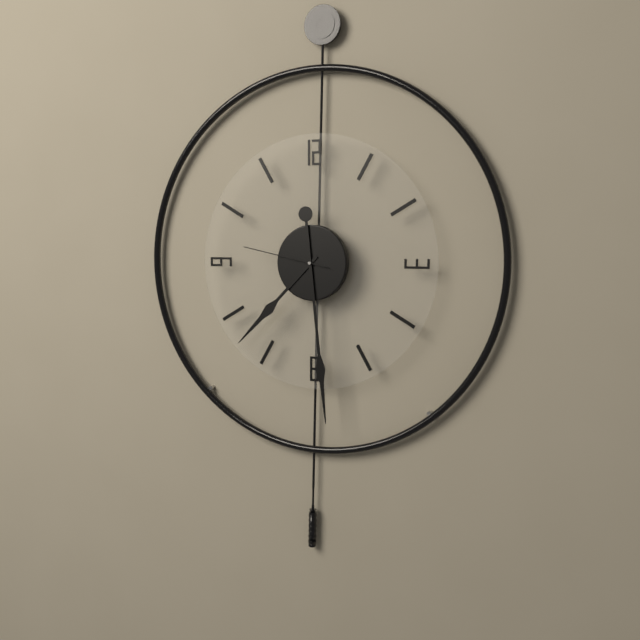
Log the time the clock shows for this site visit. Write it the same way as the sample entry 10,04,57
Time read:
7,29,47
